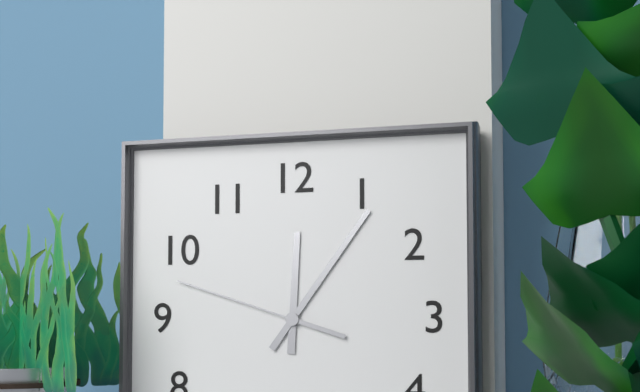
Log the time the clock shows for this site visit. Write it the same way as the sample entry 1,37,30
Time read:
12,06,48
